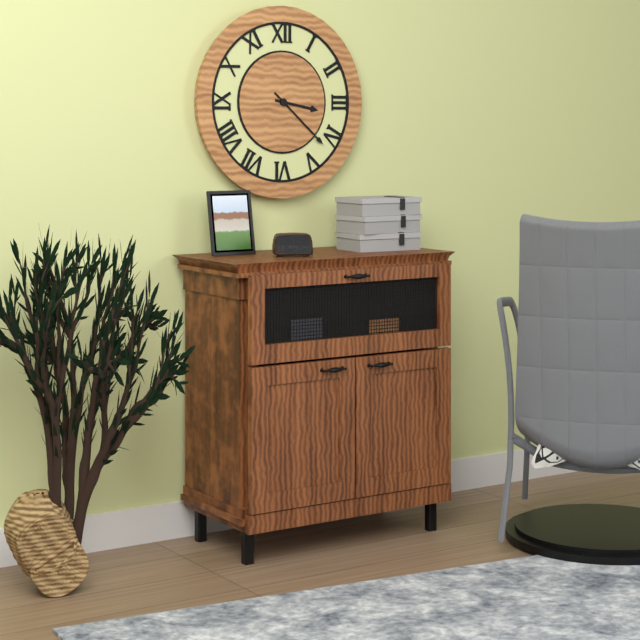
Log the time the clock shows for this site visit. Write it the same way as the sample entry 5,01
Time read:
3,22
